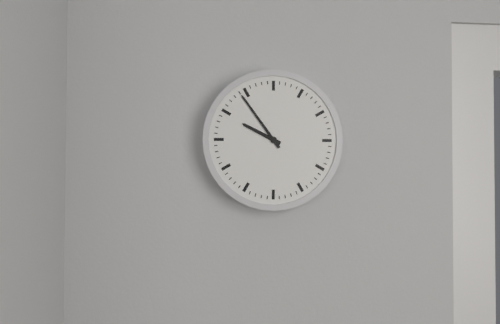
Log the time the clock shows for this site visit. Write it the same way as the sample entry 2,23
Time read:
9,54
